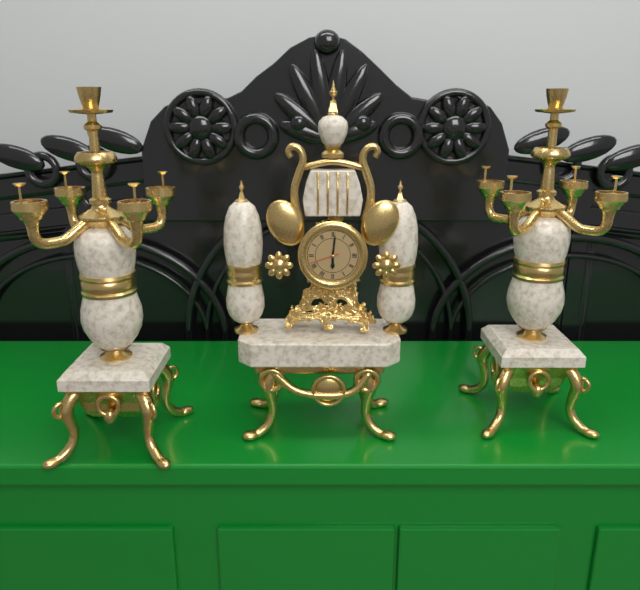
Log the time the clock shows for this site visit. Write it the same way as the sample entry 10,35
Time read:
6,01
